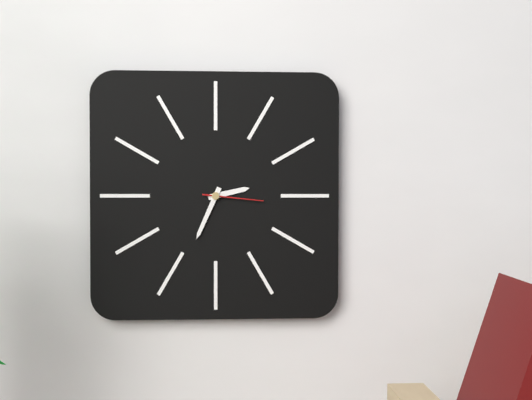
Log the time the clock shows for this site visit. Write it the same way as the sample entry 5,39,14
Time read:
2,34,16
